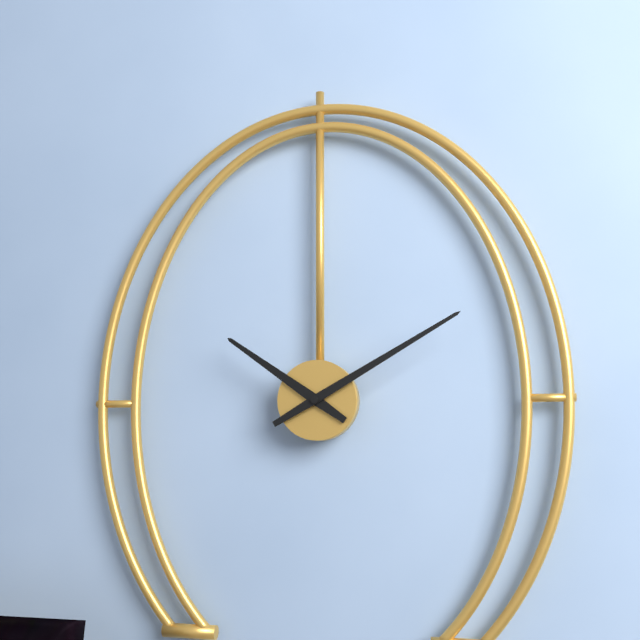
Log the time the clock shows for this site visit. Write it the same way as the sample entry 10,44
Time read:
10,10
